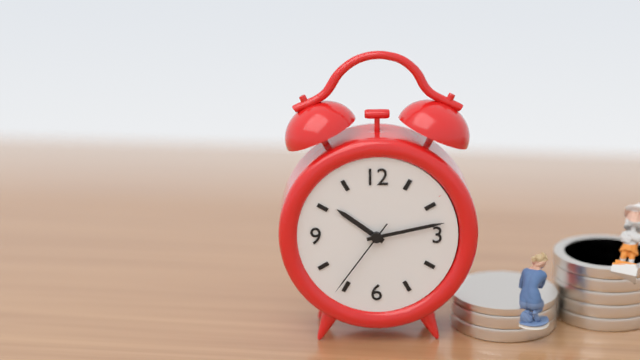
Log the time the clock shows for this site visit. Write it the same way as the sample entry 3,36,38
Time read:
10,13,36
